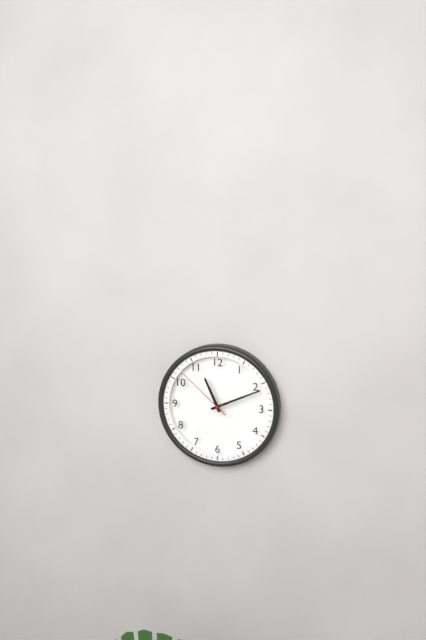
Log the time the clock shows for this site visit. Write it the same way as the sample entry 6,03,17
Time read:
11,11,52
